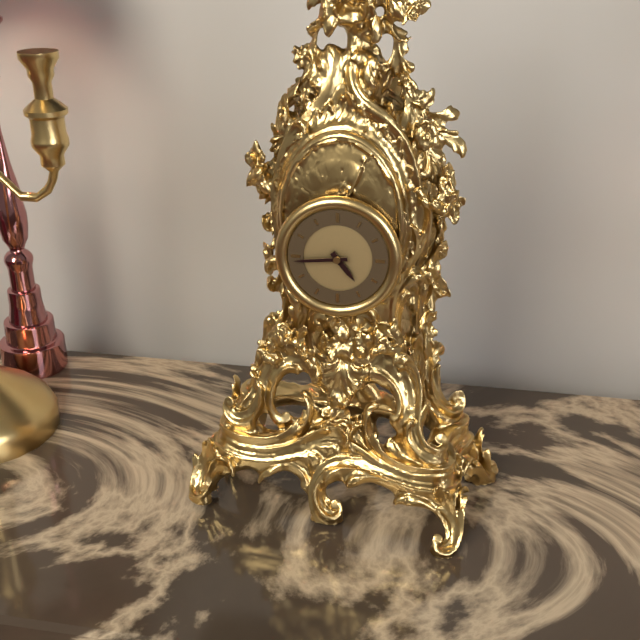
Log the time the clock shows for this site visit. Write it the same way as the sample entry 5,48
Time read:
4,44
